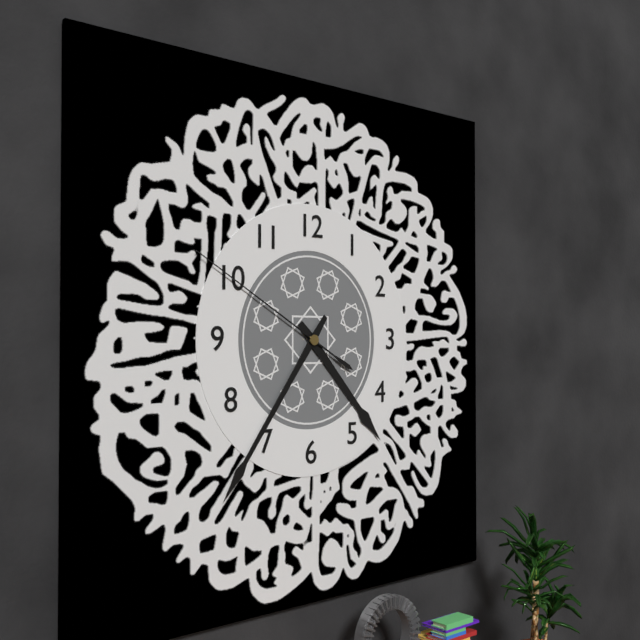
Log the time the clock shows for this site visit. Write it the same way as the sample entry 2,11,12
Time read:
4,36,50
